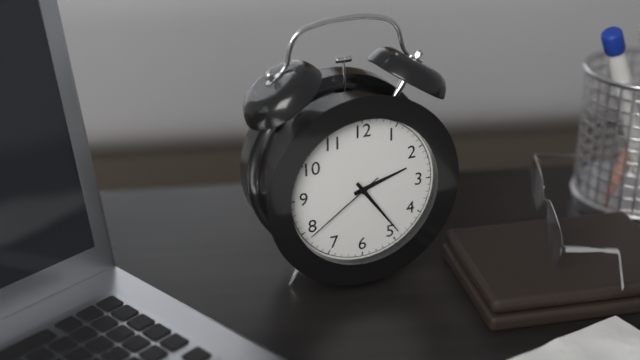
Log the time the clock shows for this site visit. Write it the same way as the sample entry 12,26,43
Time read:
2,24,39
